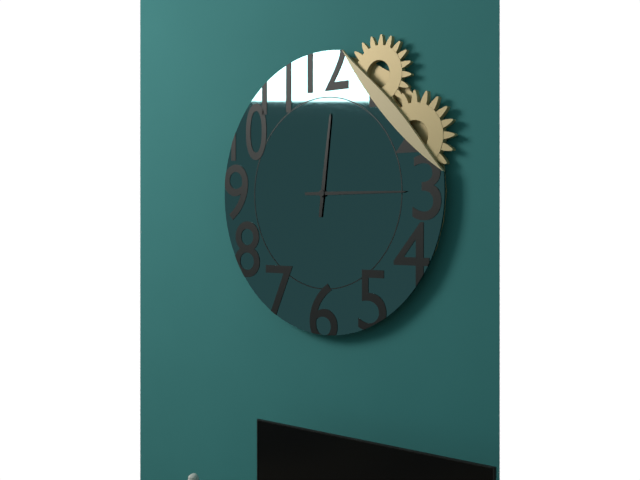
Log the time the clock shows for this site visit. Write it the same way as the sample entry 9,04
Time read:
12,15
